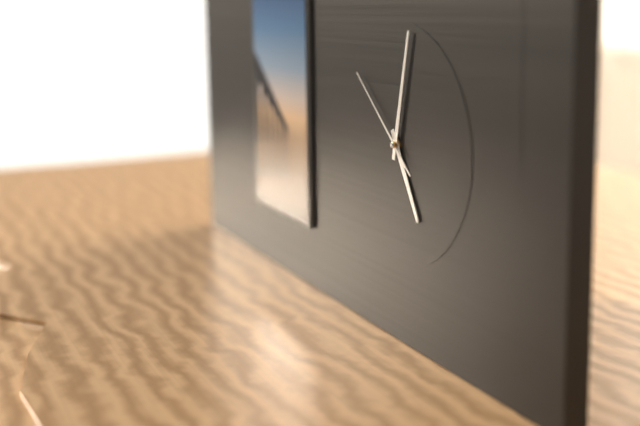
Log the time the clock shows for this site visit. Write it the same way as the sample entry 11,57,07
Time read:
5,02,52
